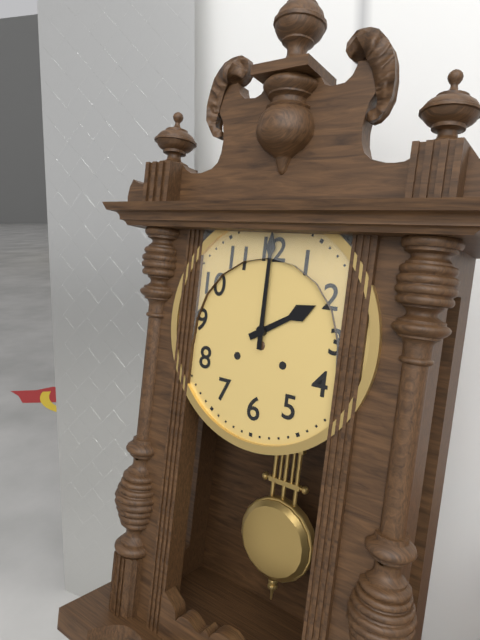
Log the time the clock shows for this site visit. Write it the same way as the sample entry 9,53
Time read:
2,00
